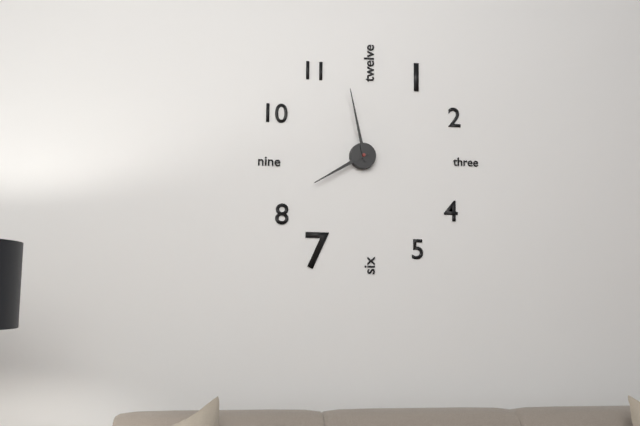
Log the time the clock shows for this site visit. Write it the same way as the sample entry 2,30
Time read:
7,58
